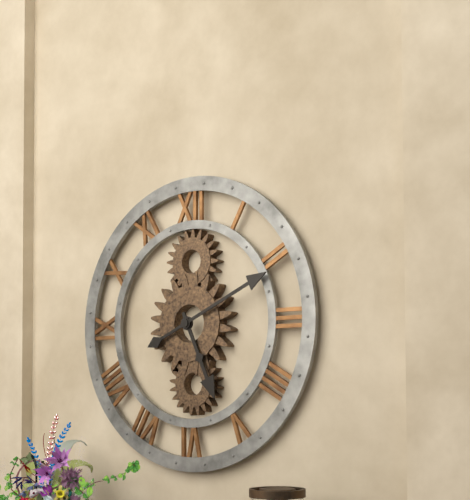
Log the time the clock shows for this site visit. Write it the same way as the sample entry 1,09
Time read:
5,11
